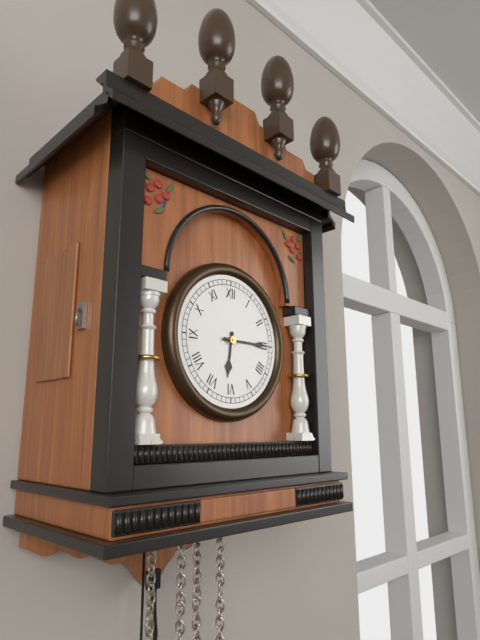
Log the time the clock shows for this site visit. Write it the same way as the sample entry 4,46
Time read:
6,15
